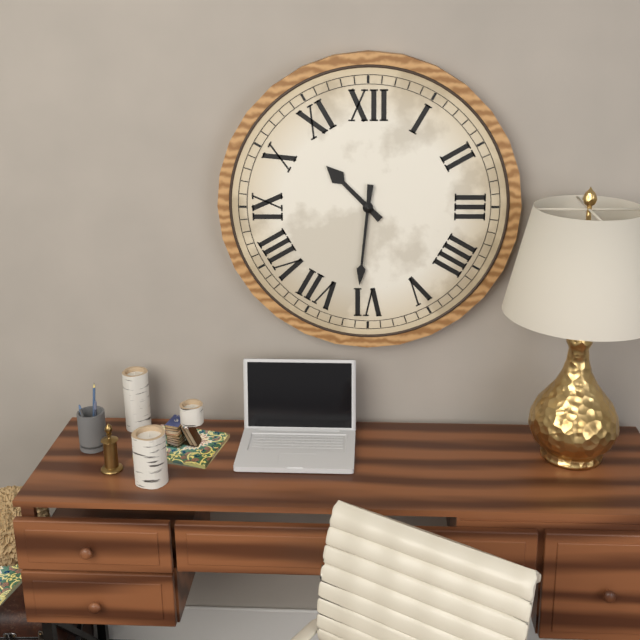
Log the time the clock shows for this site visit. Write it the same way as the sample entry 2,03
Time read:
10,31
